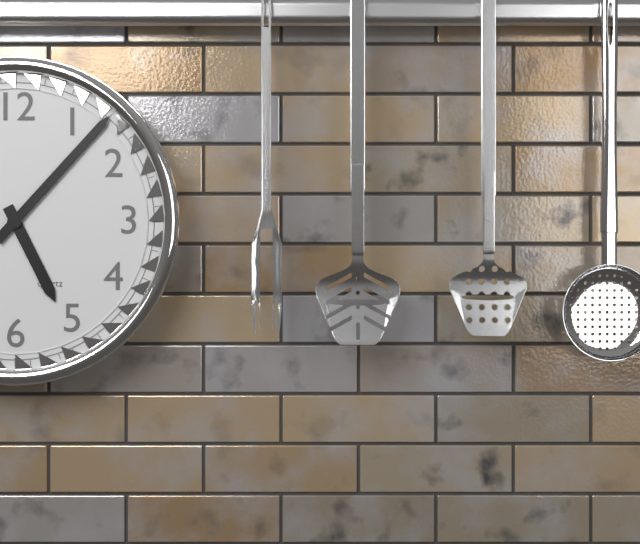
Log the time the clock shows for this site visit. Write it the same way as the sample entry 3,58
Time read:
5,07
